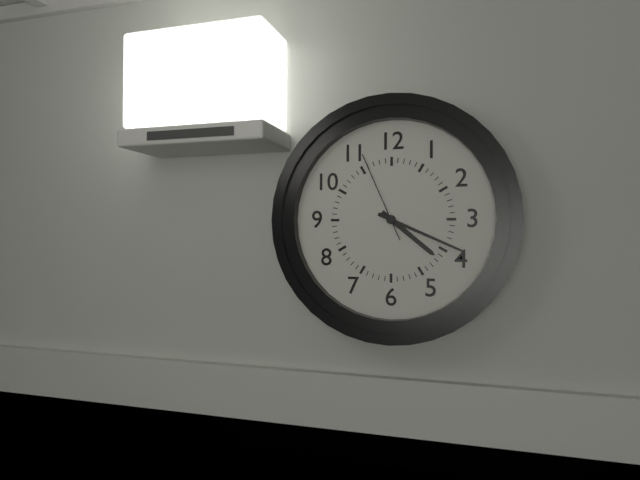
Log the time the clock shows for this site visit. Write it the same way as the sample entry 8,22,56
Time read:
4,19,56
